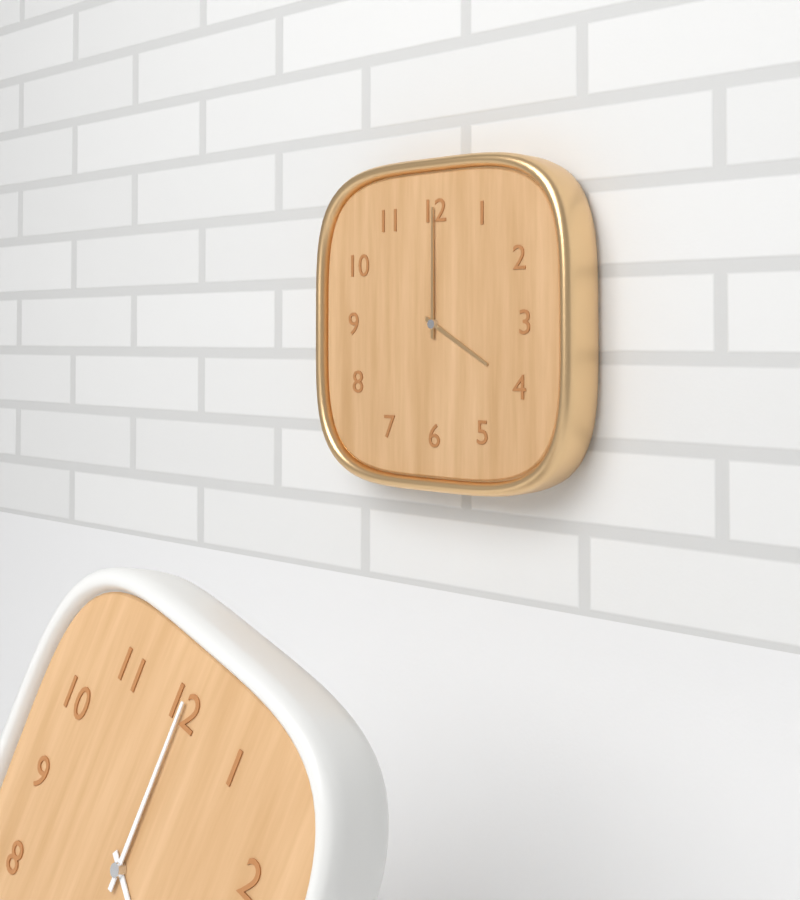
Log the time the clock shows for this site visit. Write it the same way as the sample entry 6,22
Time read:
4,00
